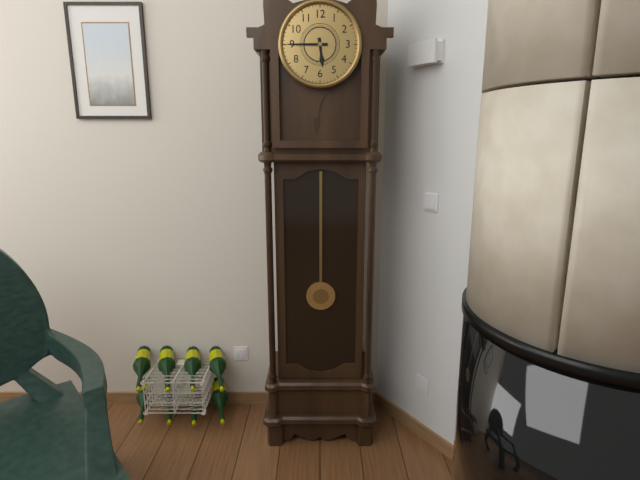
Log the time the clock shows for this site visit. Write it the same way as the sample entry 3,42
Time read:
5,45
